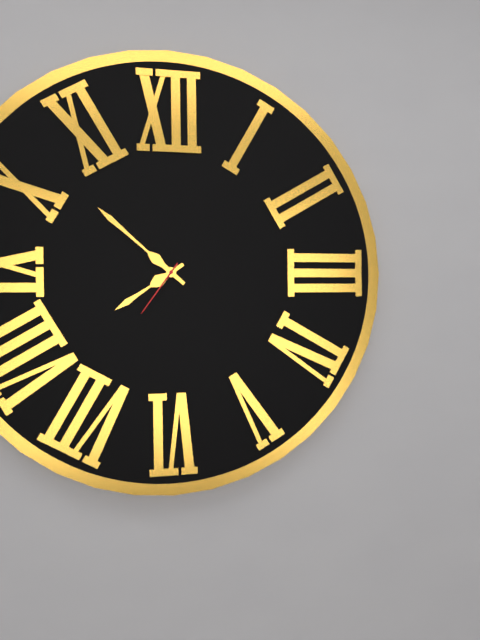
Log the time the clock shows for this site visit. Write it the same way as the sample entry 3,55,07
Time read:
7,52,36
